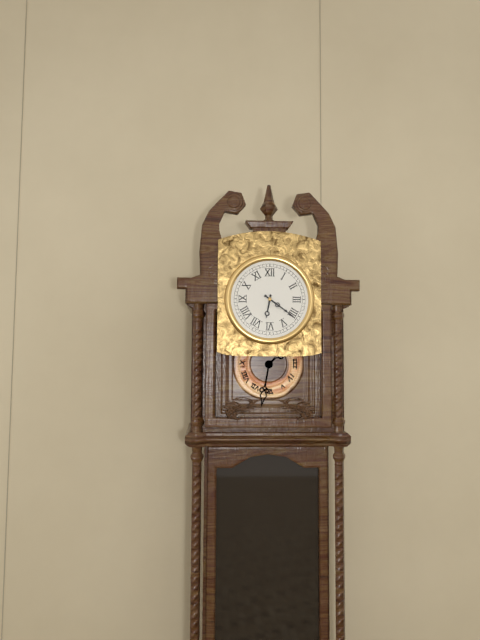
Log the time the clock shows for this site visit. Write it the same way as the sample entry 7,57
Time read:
6,21
